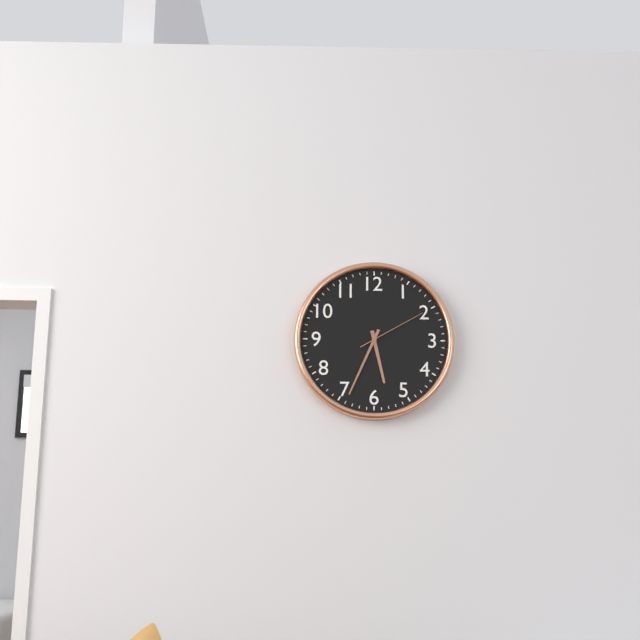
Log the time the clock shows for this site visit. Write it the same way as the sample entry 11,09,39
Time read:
5,34,10
